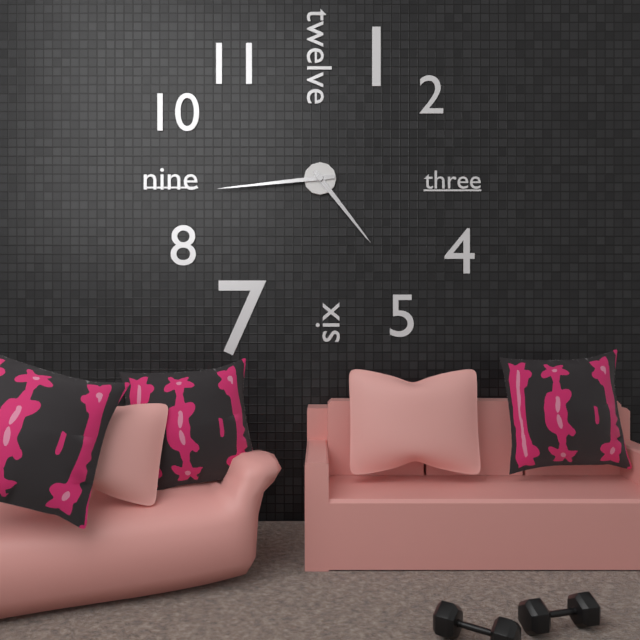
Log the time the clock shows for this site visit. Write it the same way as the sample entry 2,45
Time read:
4,44
